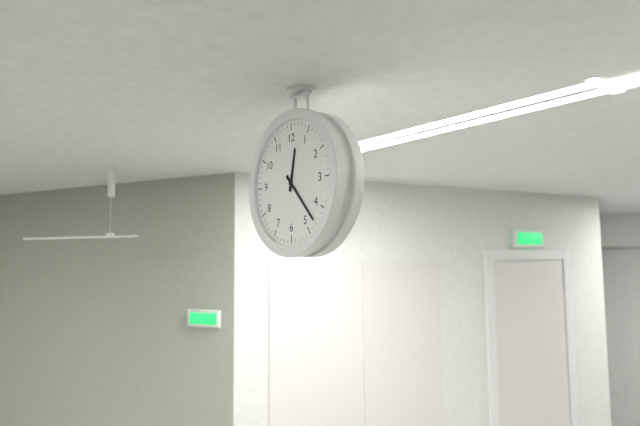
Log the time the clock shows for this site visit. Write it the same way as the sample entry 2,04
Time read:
12,23
